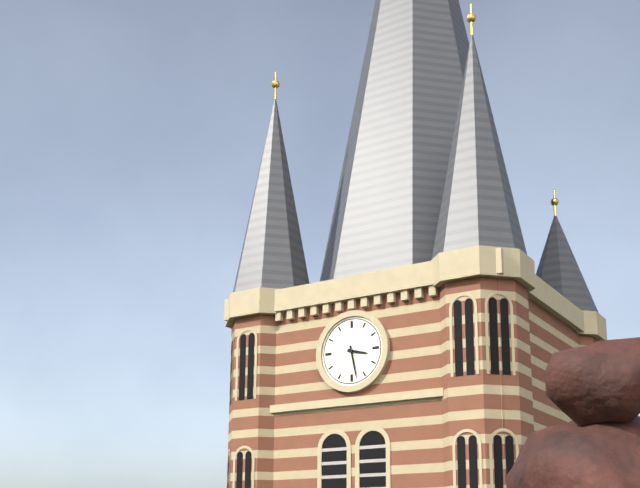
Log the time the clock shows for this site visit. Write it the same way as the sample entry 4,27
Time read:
3,28
